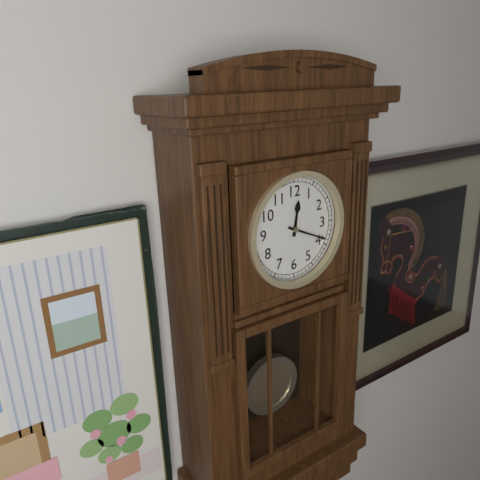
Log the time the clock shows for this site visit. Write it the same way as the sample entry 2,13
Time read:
12,19
